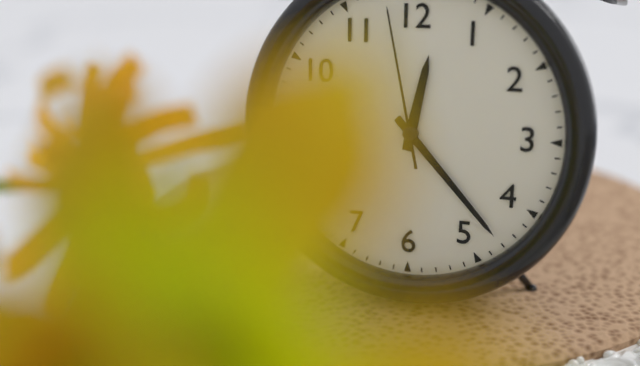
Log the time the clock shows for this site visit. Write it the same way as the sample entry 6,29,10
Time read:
12,23,58
